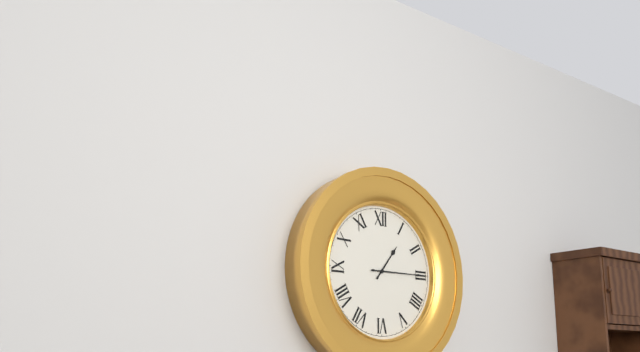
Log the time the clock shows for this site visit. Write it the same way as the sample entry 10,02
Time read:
1,15
